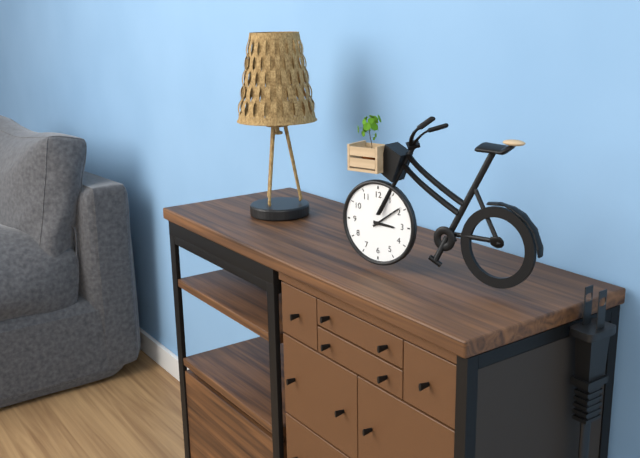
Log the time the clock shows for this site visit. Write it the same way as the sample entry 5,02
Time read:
3,09
